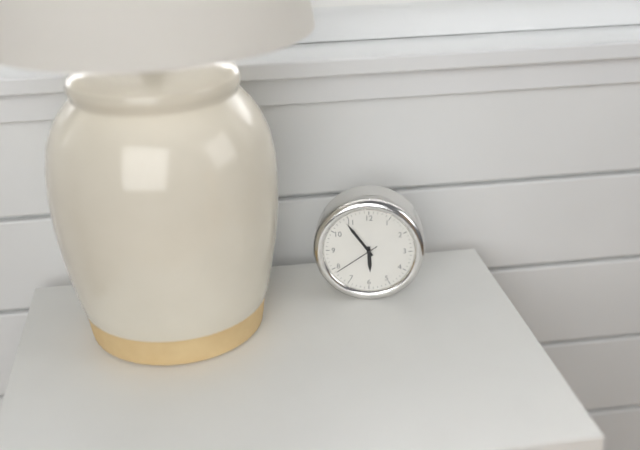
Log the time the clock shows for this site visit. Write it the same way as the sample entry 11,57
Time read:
5,54
